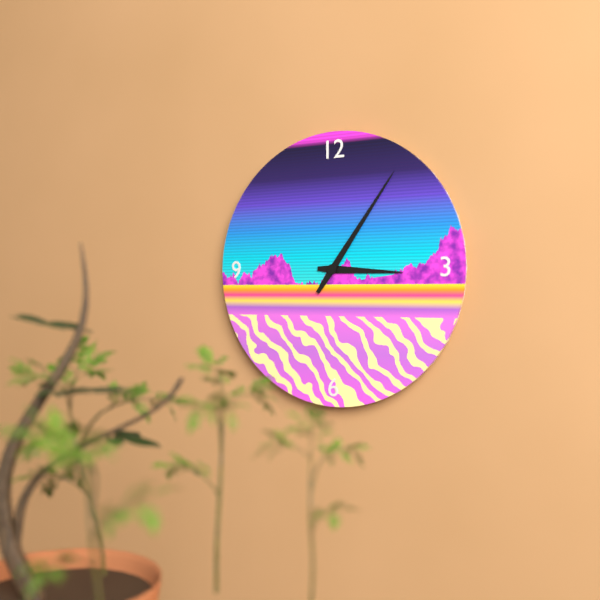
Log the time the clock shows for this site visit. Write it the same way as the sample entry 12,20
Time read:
3,06
